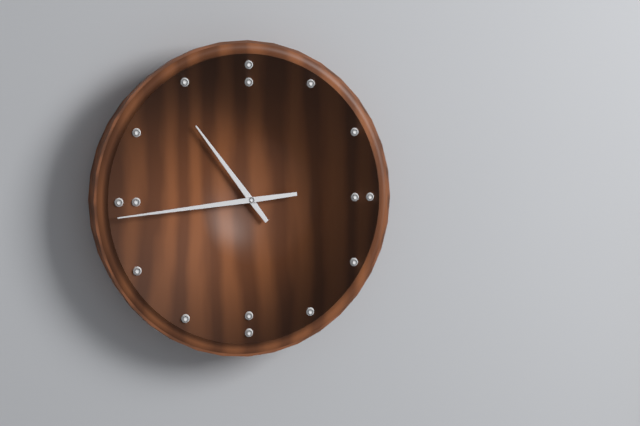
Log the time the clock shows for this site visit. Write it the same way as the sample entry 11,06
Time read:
10,44
